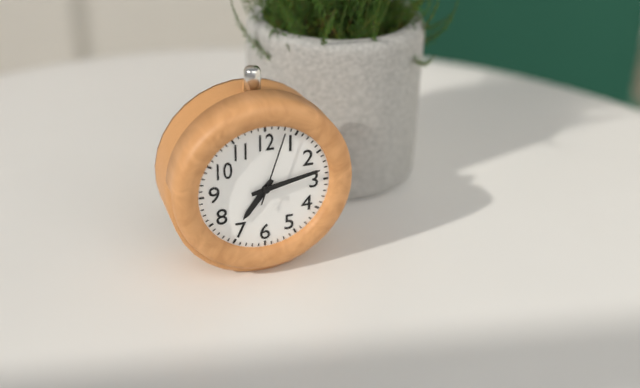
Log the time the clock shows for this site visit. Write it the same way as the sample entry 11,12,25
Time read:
7,13,03
